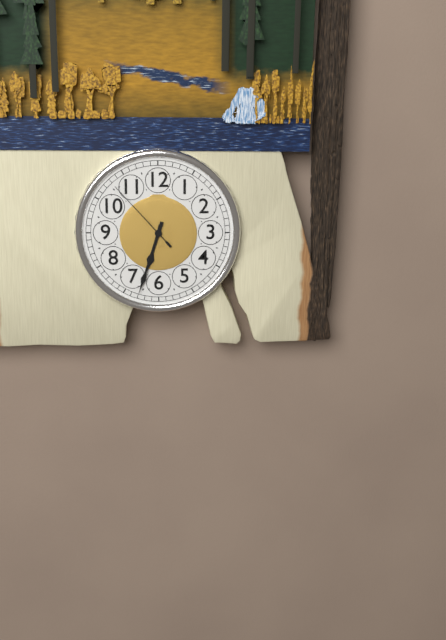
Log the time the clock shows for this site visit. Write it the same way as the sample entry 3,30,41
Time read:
6,33,53
